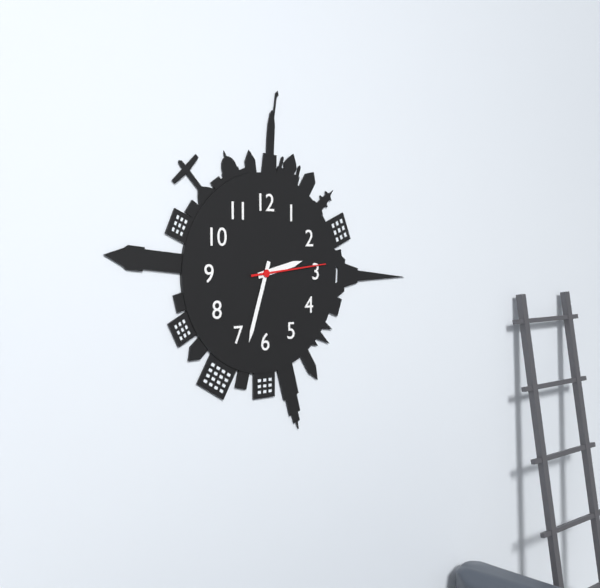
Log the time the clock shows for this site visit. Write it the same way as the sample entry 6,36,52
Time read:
2,33,14
